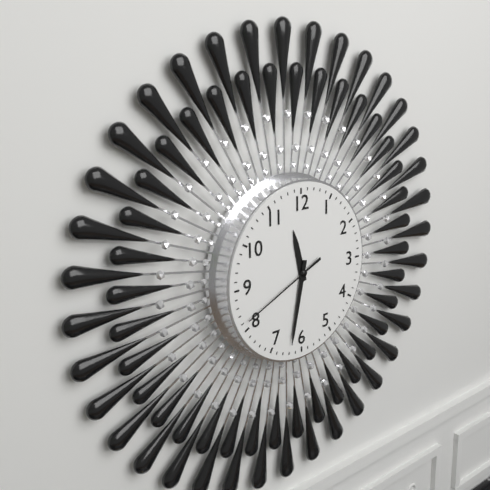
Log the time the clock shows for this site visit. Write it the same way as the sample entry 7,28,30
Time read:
11,32,41
